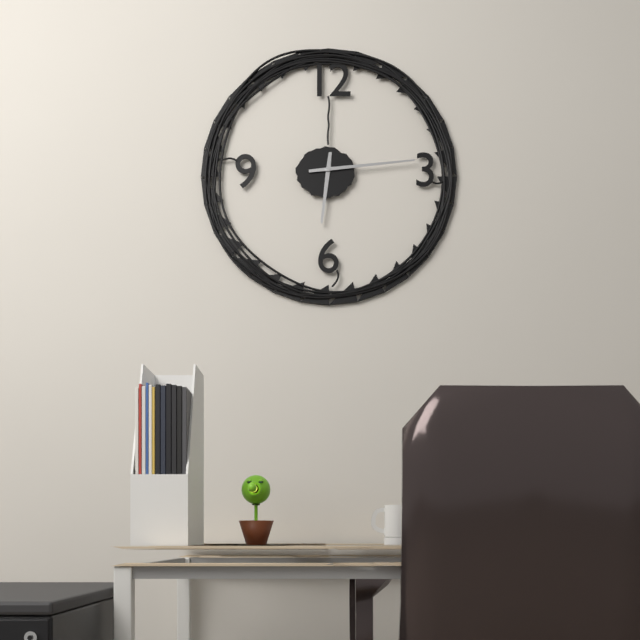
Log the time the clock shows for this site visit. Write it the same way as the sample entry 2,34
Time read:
6,14
